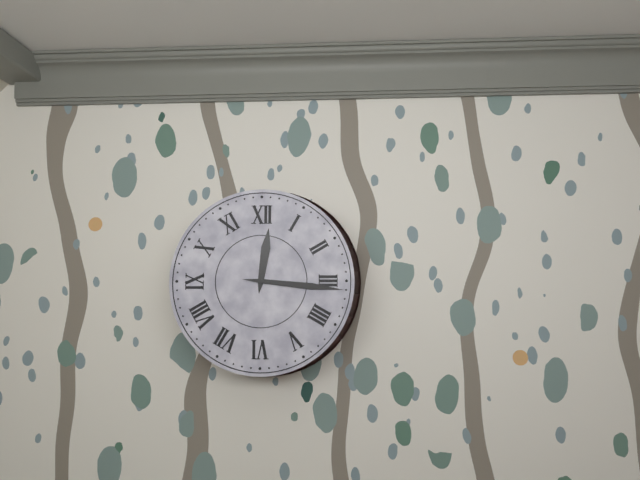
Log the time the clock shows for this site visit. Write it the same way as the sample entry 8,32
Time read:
12,16
